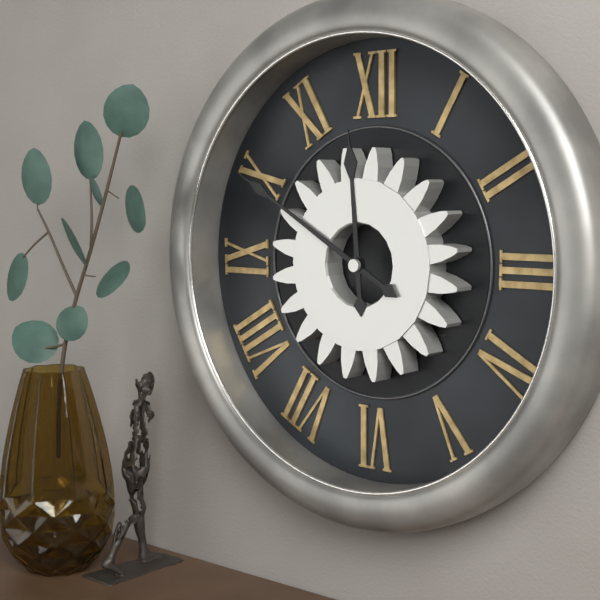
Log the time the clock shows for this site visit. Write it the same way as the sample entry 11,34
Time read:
11,50
